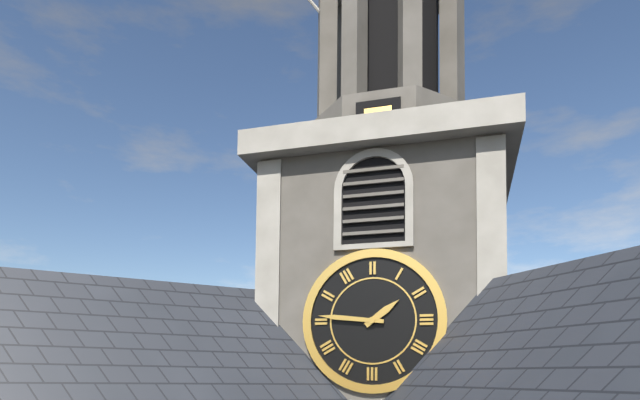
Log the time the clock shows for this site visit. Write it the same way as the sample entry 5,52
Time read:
1,46
